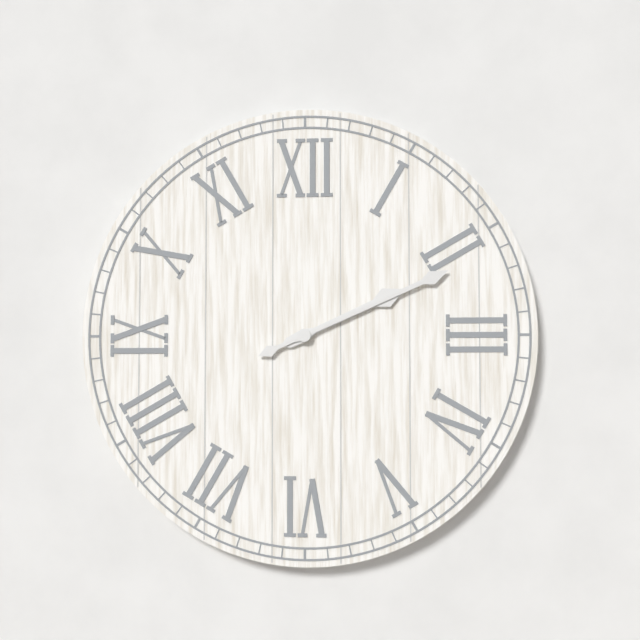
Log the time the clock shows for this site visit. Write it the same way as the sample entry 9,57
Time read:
2,11
